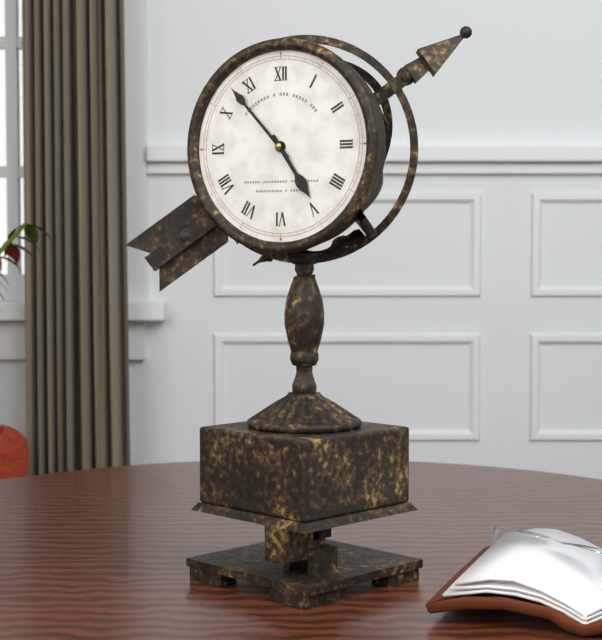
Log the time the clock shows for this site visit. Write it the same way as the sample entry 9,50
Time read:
4,53
